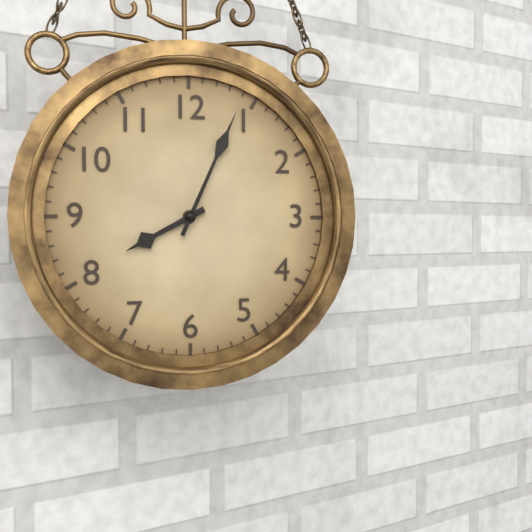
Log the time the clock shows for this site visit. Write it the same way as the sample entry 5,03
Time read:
8,04
